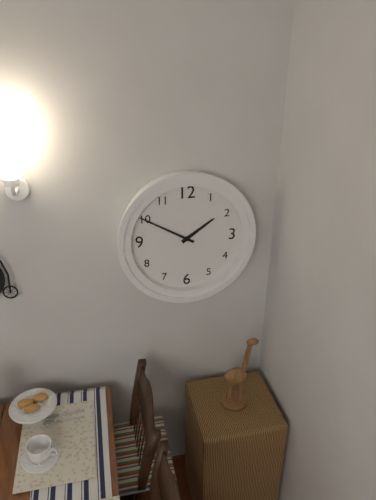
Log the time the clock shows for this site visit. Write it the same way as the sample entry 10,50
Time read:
1,50
